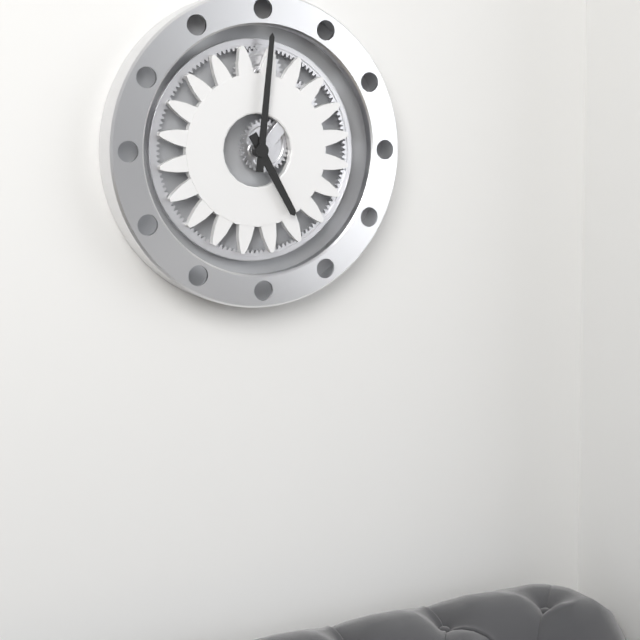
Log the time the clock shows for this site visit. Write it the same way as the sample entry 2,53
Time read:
5,01
